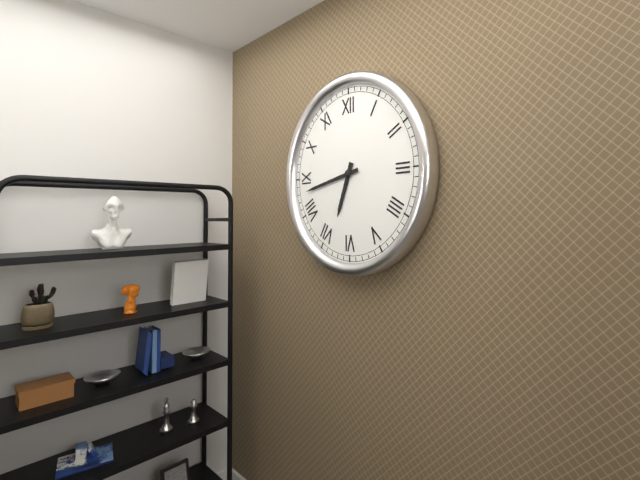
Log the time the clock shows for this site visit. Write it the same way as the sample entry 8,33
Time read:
6,43
